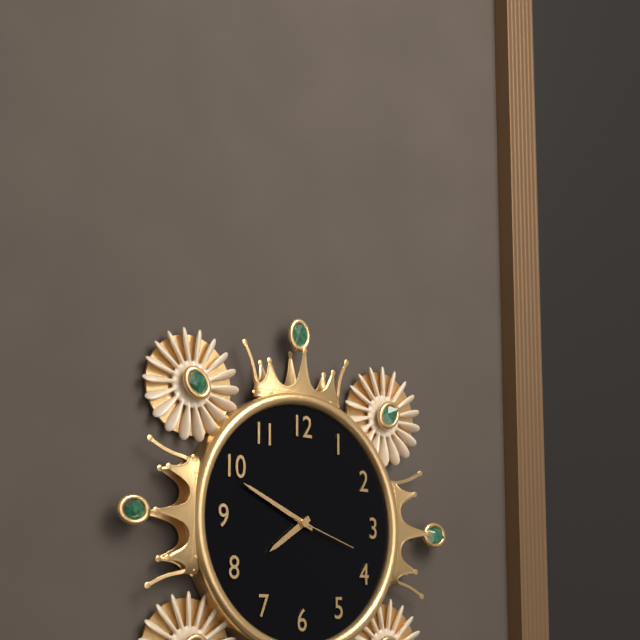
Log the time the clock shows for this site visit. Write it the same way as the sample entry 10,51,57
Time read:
7,49,18
